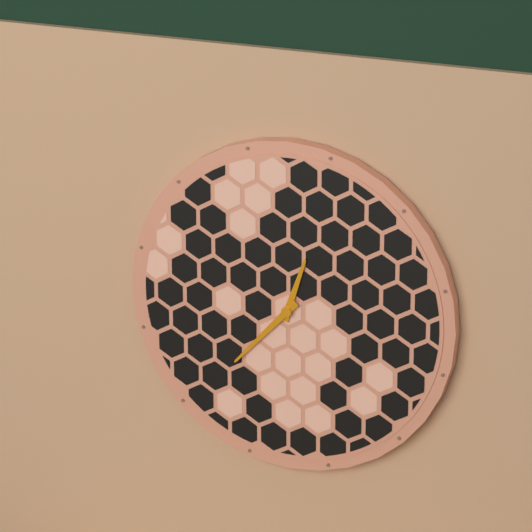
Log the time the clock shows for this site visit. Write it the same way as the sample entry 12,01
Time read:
12,37
